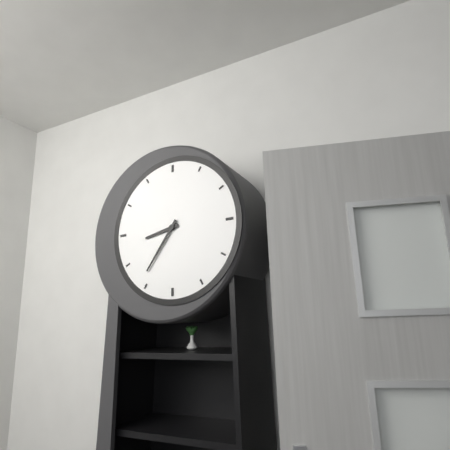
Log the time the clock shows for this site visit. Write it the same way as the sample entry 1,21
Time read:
8,36
